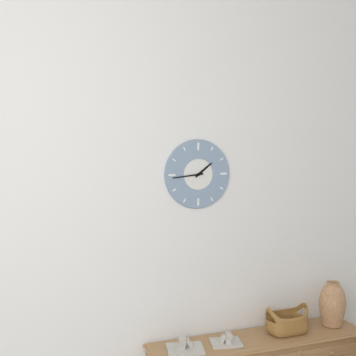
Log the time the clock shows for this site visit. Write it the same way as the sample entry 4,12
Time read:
1,44
